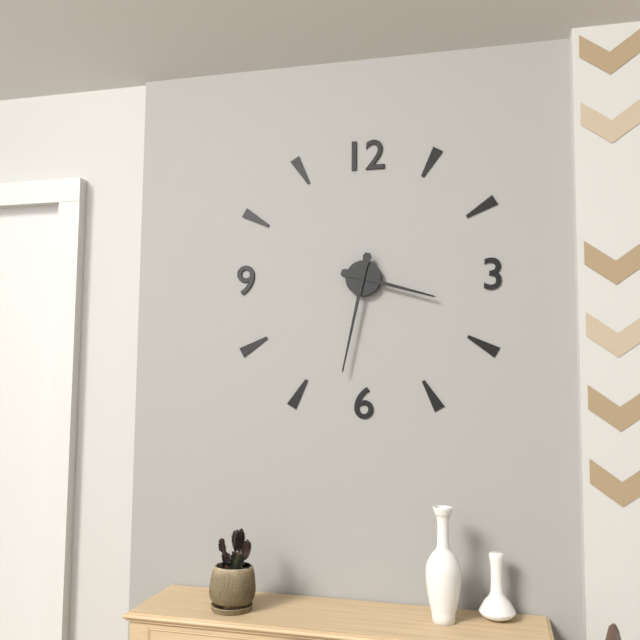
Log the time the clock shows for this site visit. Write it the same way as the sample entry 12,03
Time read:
3,32
